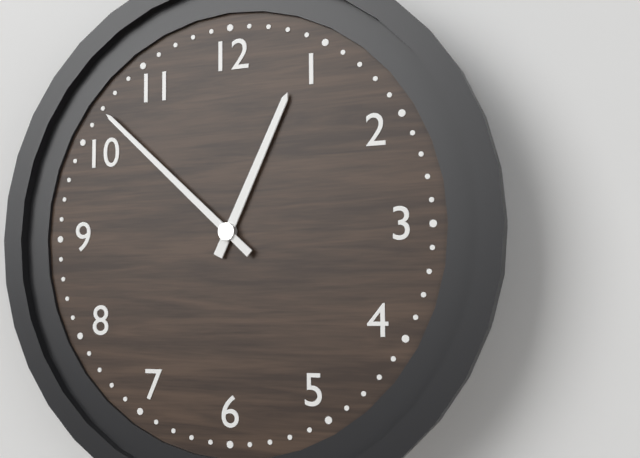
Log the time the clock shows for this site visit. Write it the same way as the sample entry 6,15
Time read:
12,52
